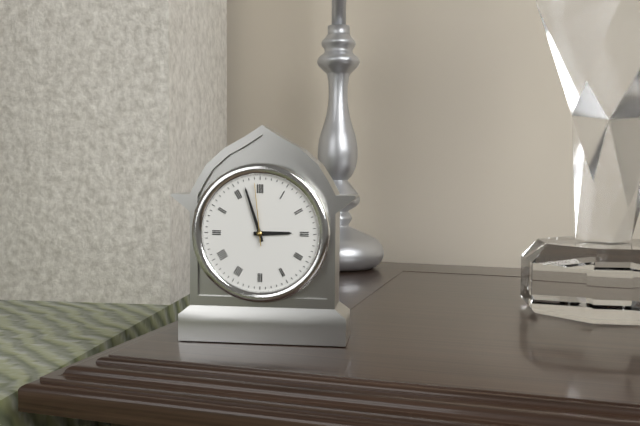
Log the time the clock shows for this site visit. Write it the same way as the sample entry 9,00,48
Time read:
2,57,59
